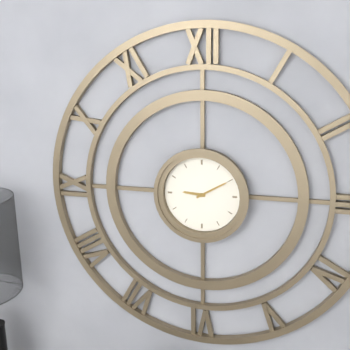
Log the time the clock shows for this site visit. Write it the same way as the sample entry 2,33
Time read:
9,10
